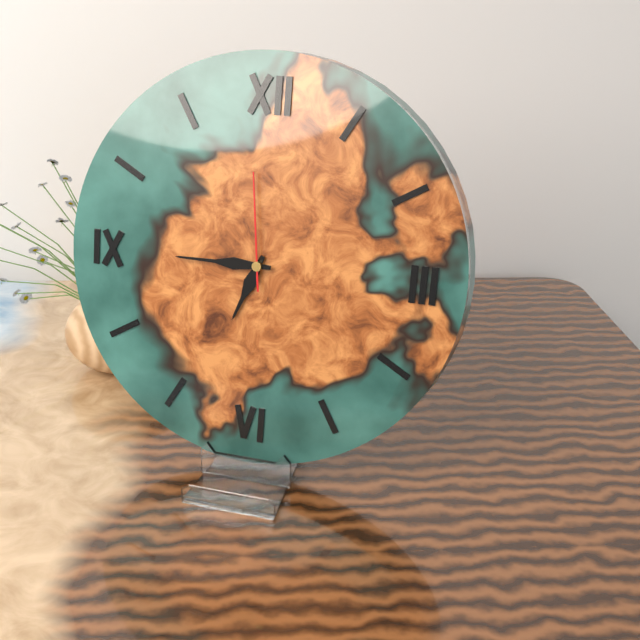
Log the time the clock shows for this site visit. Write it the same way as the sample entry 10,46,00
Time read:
6,45,59
